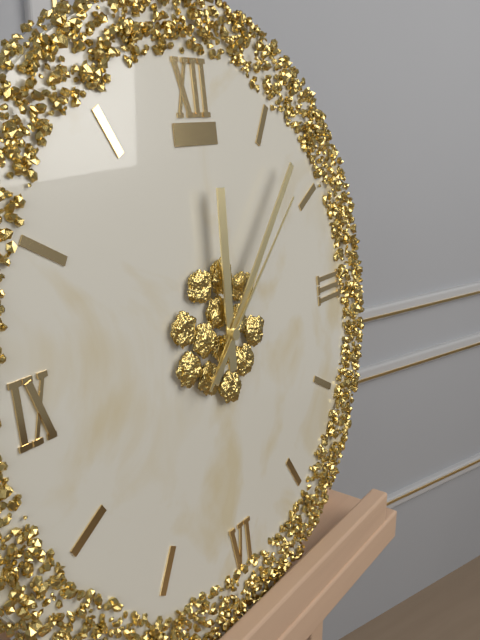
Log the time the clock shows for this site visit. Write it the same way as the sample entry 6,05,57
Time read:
12,07,08
